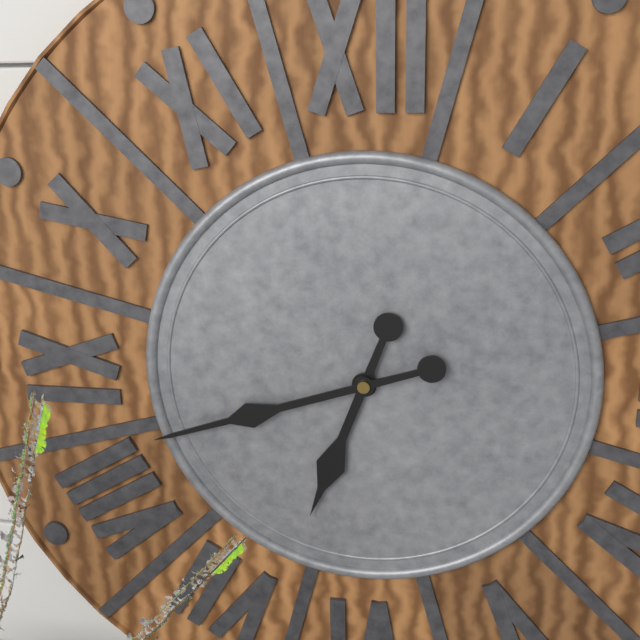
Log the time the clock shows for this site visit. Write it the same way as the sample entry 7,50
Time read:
6,42
